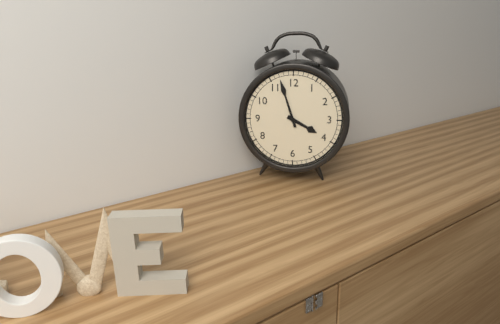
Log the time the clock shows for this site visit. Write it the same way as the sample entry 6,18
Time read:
3,57
